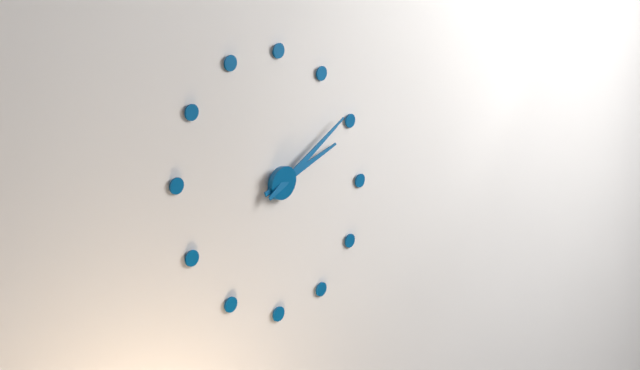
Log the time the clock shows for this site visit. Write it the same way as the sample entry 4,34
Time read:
2,09
